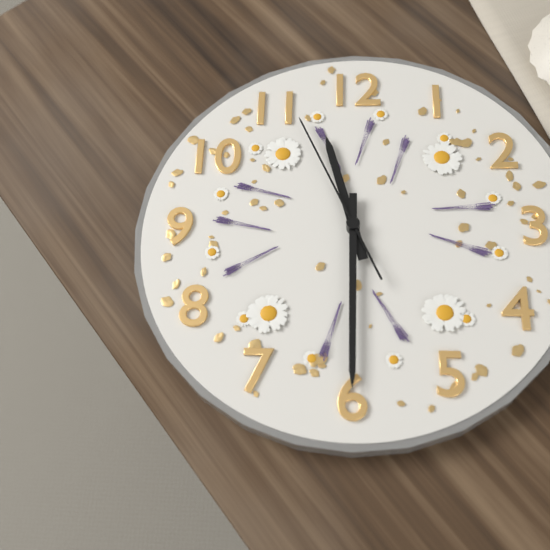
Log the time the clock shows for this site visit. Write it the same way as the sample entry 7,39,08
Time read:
11,30,56
